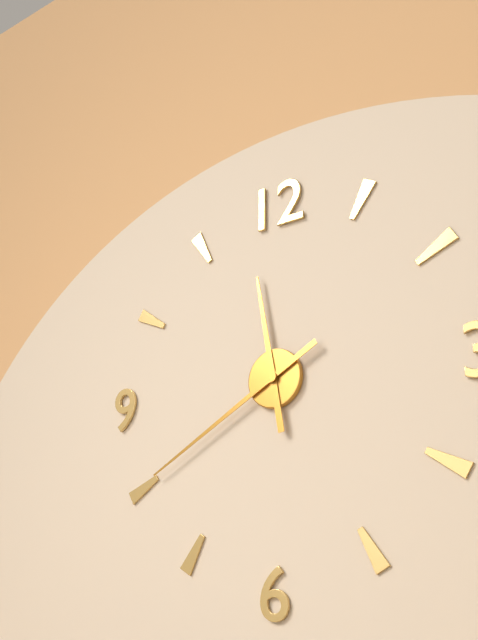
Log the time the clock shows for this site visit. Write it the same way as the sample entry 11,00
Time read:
11,40
